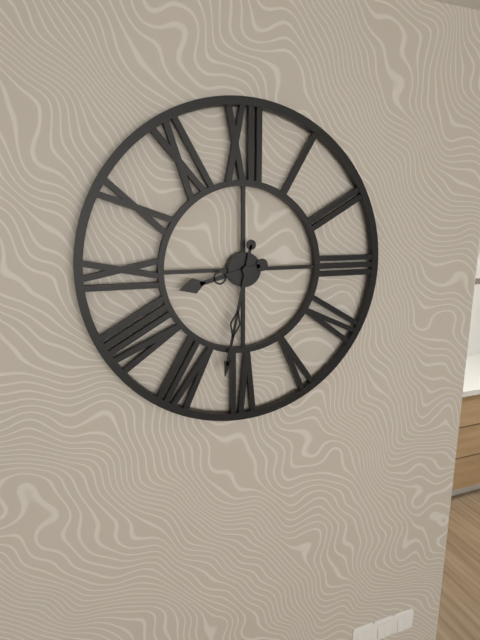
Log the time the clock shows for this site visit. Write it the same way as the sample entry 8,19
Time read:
8,32
